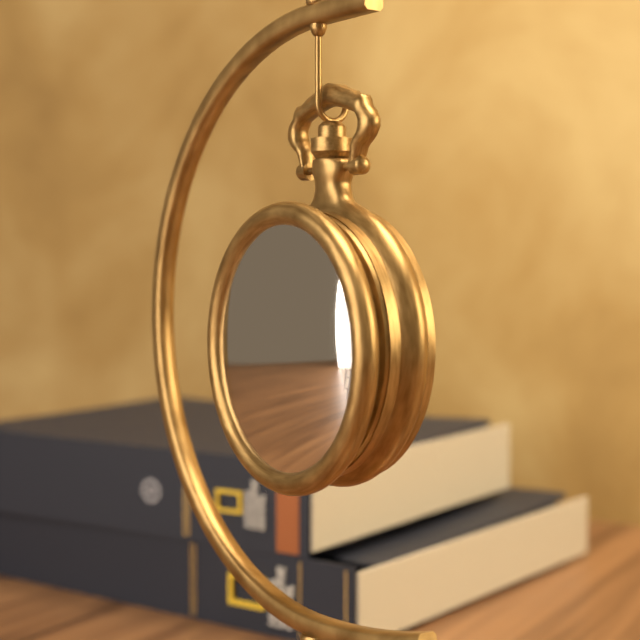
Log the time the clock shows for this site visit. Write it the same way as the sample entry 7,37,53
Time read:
6,58,05
